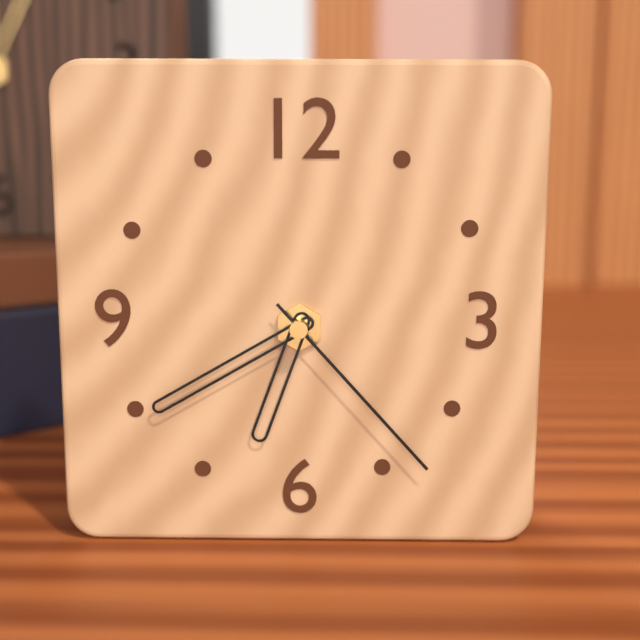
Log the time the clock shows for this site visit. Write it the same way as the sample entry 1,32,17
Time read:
6,40,23
